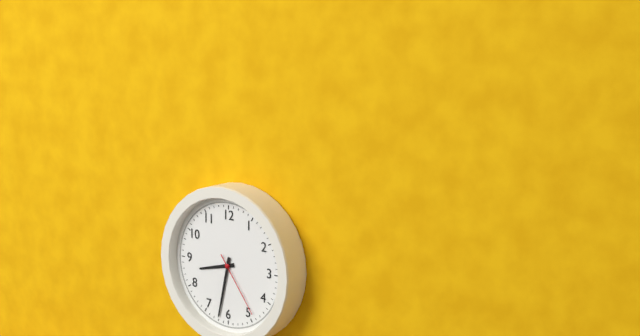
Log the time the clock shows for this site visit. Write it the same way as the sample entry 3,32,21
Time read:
8,32,24
